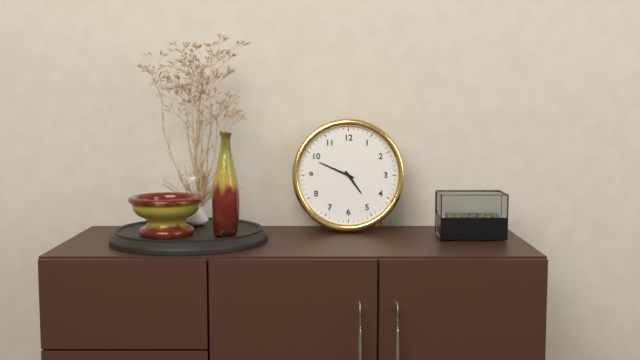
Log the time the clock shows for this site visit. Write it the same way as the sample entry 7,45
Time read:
4,49
